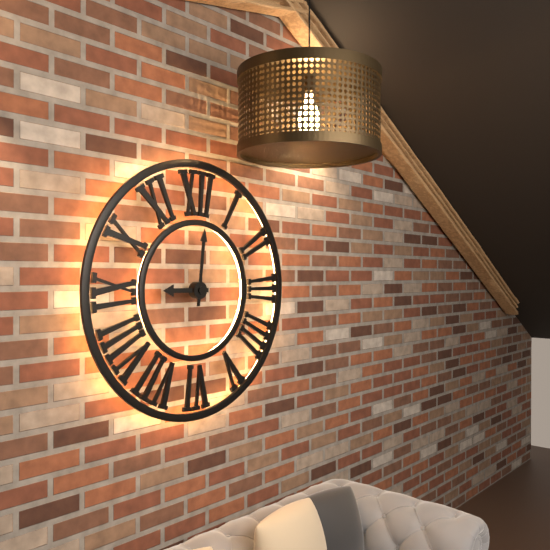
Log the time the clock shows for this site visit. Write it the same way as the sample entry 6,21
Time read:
9,01
